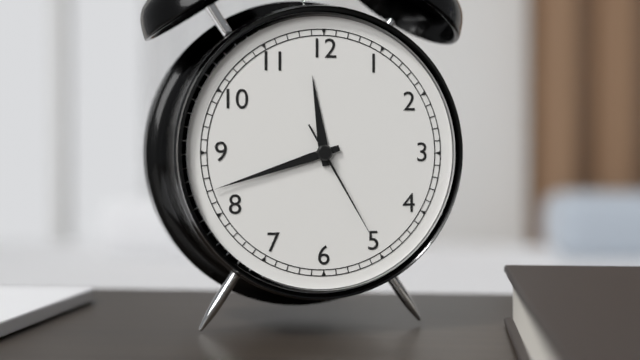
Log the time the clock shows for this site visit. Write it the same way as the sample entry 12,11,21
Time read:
11,42,25
